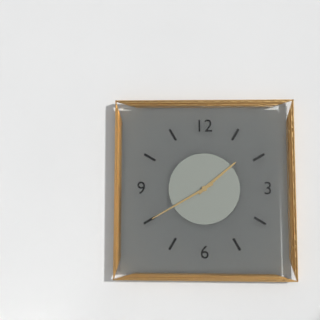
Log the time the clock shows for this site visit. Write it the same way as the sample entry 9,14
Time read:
1,40
